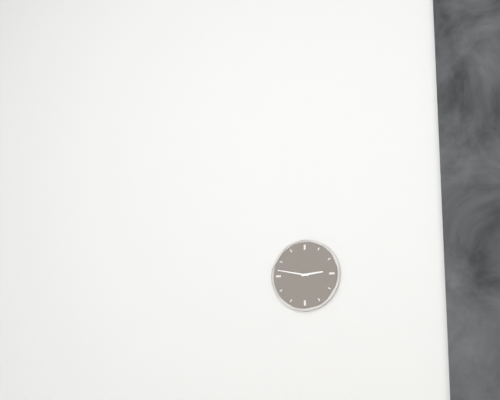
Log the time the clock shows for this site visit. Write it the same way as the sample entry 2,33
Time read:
2,47
